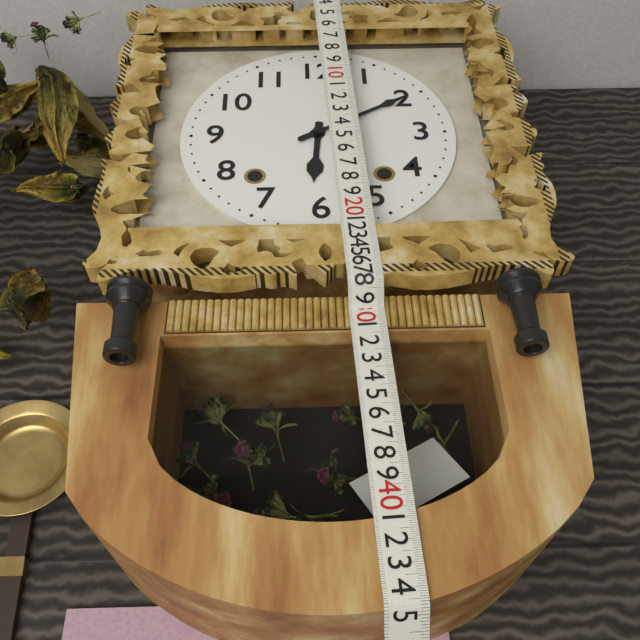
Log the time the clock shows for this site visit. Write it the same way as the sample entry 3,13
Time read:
6,10
